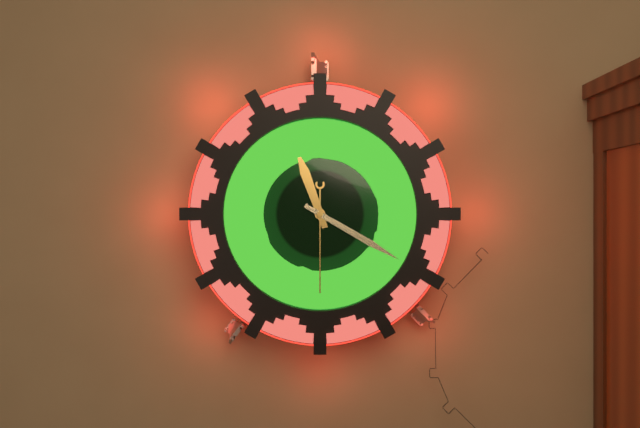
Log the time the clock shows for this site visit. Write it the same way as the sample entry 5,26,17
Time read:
11,20,30
